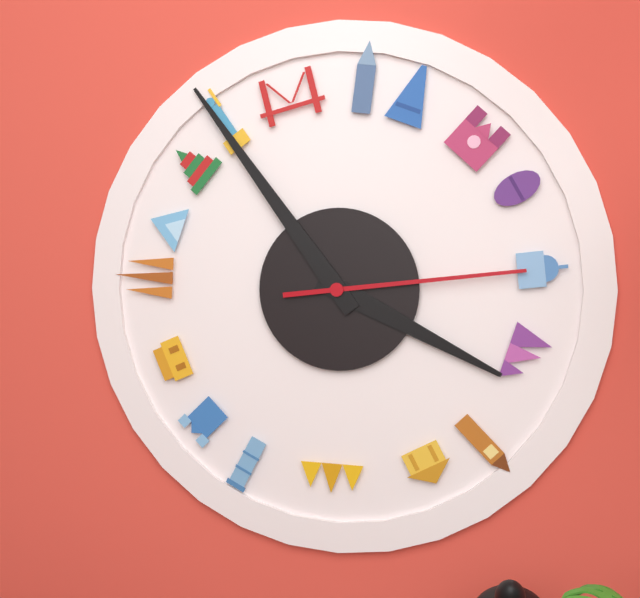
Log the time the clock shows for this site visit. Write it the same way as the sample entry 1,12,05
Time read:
3,54,14
